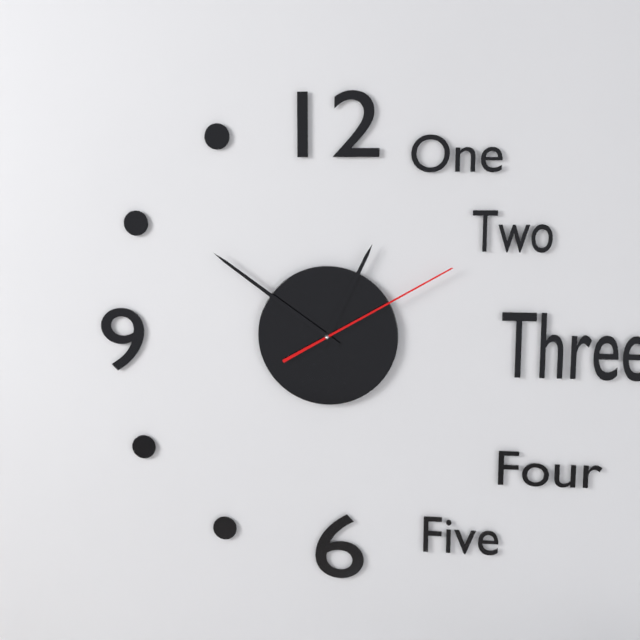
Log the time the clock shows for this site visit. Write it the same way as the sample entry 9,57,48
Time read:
12,51,10
